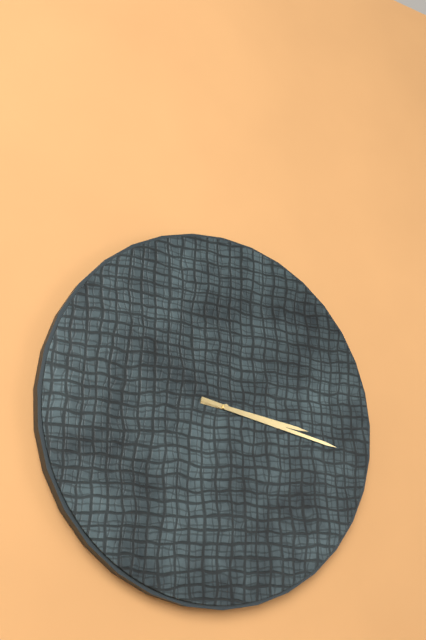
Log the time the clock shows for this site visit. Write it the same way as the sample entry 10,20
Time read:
3,17
